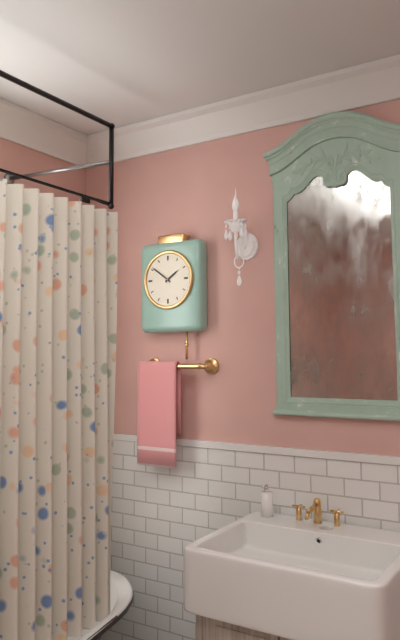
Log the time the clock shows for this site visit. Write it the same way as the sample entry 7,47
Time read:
1,51
